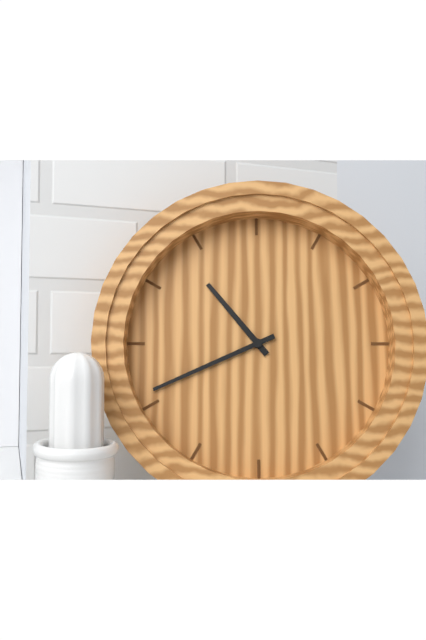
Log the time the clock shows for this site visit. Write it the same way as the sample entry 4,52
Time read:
10,41
